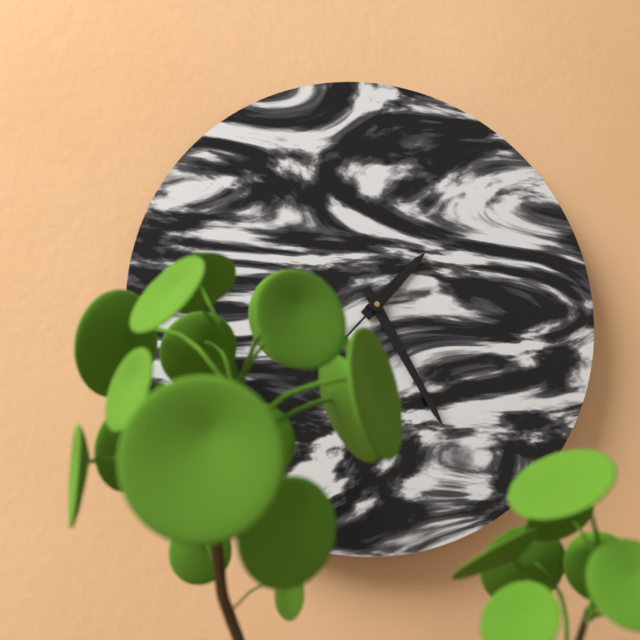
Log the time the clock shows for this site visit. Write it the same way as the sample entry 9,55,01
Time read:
1,25,37
